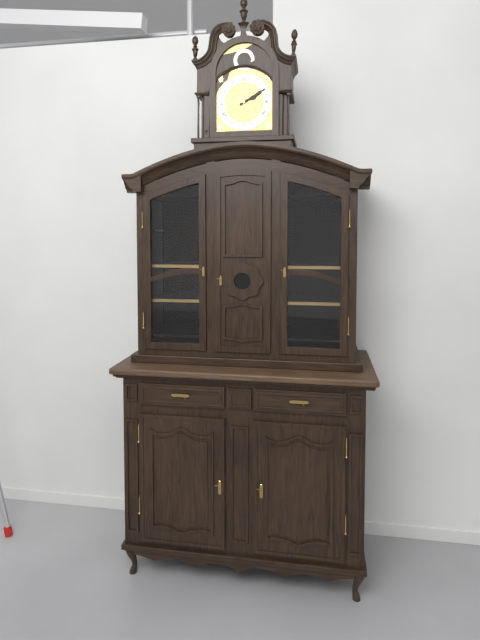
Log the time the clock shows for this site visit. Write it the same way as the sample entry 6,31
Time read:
2,10
